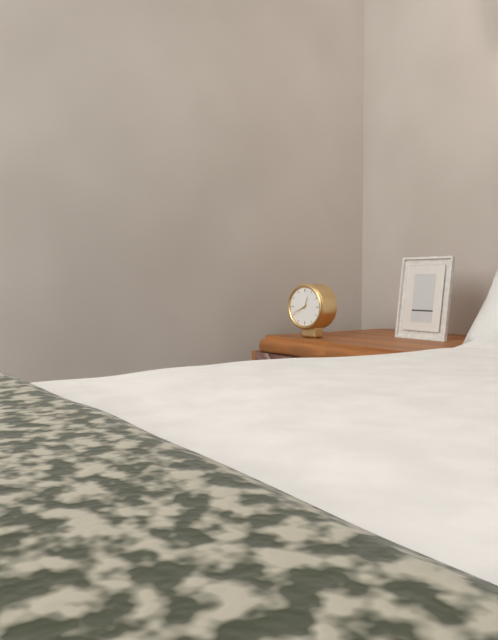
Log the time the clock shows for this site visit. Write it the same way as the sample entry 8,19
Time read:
12,41
